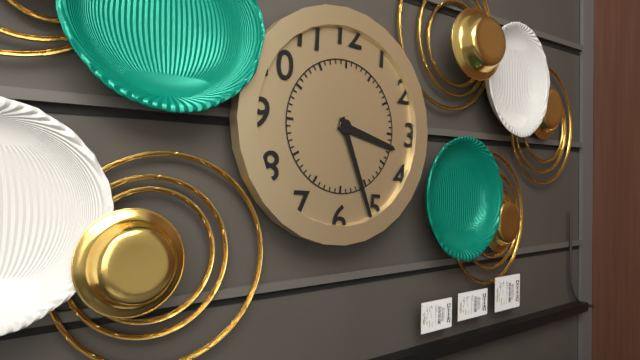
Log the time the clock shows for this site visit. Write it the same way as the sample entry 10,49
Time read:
3,26
